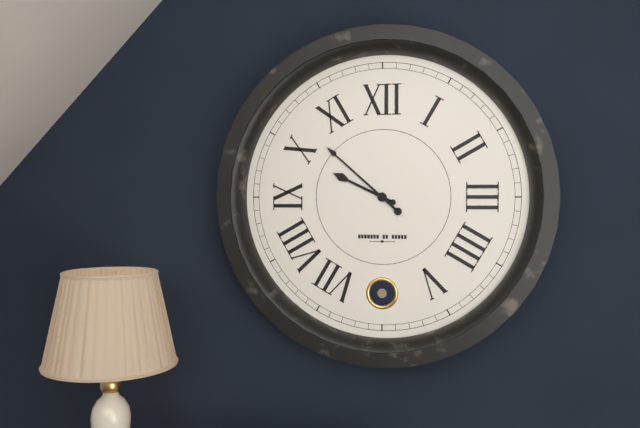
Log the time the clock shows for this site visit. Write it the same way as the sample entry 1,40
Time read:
9,52
